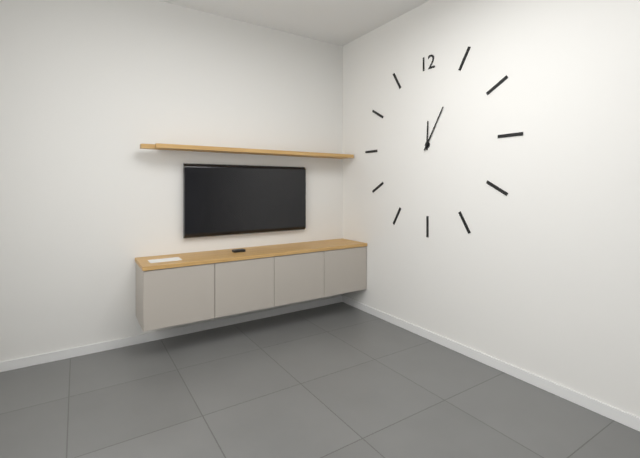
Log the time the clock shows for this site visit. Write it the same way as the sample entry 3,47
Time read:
12,05
